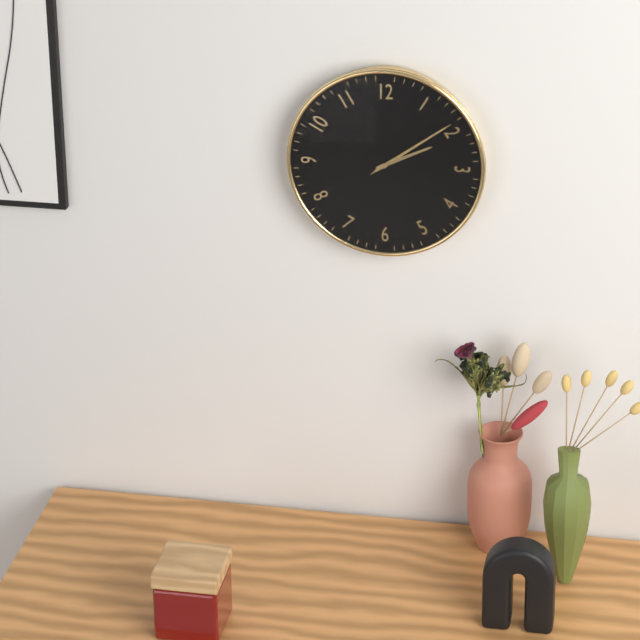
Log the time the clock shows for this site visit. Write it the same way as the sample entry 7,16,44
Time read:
2,09,09
